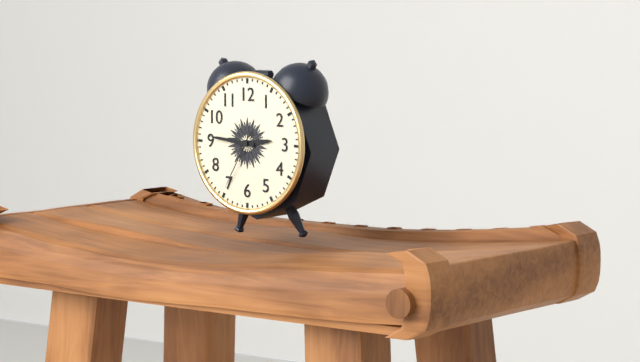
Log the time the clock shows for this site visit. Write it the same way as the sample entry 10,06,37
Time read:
2,46,35
